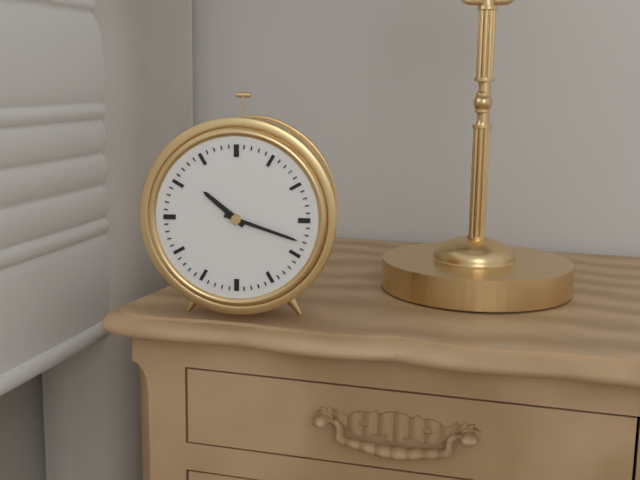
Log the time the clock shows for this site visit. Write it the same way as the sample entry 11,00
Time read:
10,18
